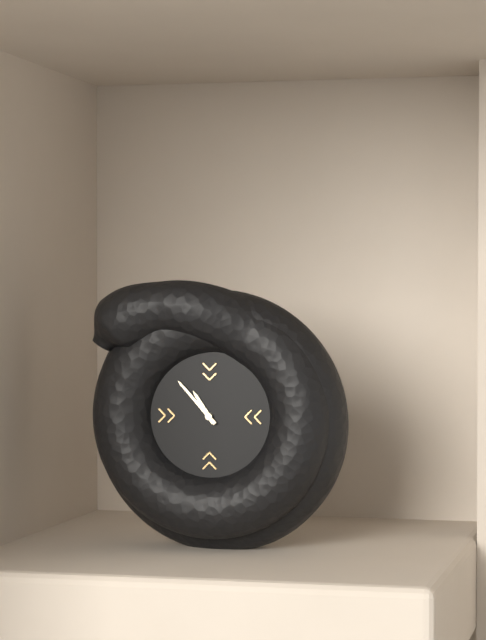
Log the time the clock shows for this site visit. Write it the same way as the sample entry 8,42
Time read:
10,53
